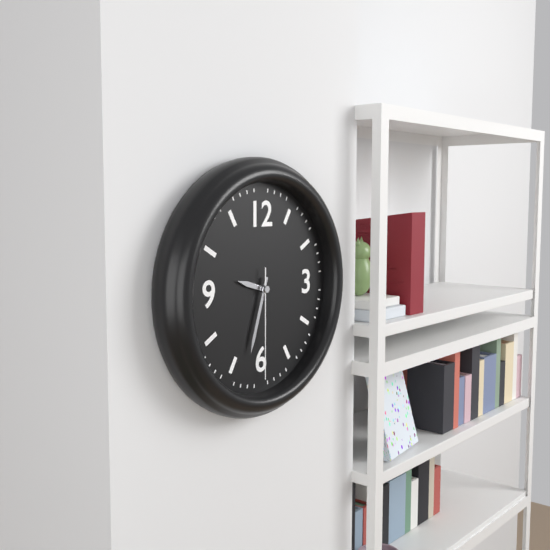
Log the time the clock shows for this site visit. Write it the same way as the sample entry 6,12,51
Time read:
9,33,30
